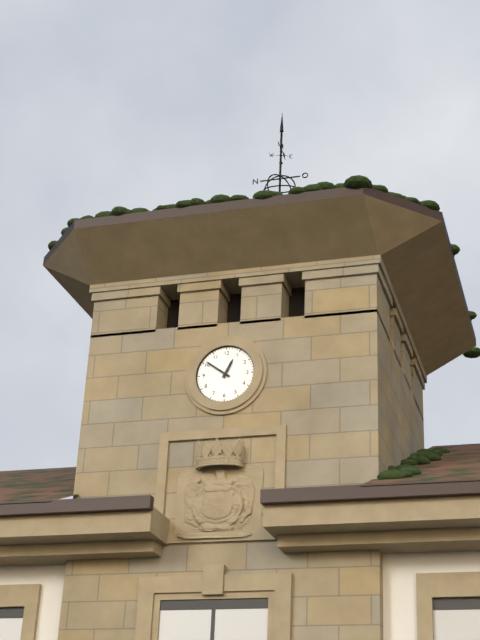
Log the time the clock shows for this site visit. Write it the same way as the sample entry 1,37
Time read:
12,51
